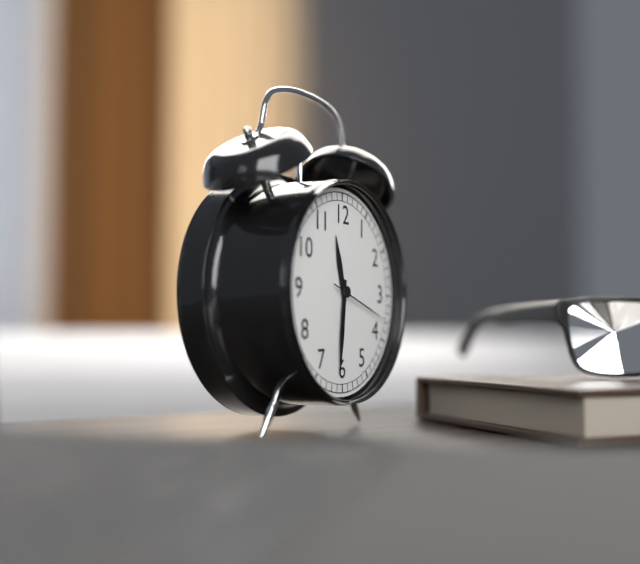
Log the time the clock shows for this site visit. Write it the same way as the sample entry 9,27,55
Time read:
11,31,18
